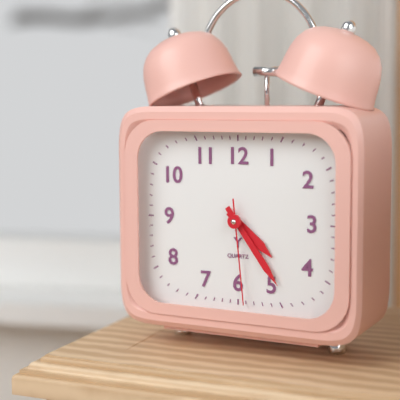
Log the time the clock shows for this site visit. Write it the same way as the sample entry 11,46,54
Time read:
4,24,29
